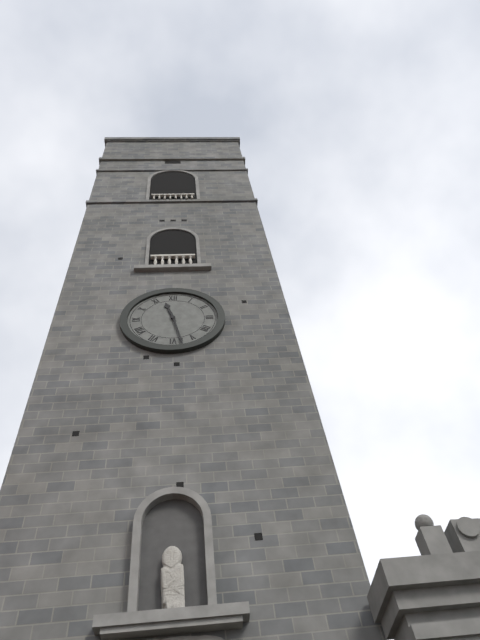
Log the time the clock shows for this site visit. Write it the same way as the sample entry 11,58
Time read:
11,28
